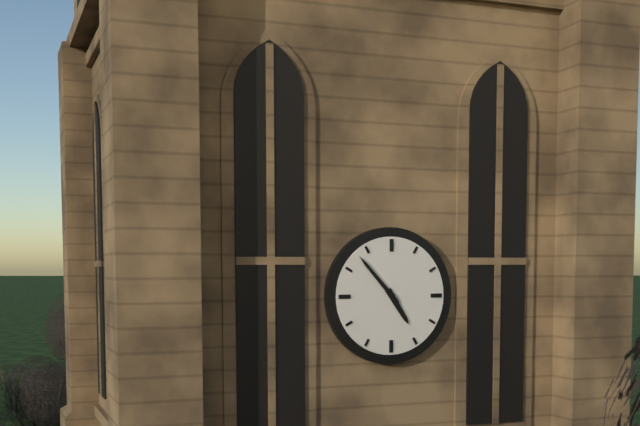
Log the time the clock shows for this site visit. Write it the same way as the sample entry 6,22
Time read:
4,53
